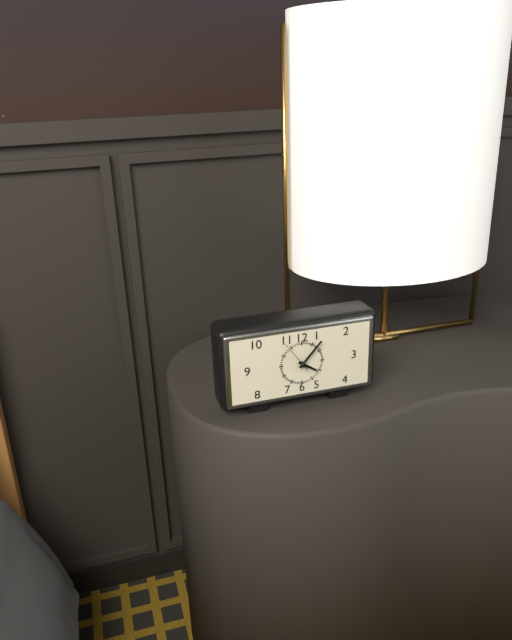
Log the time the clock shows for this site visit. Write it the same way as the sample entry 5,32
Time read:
4,07
